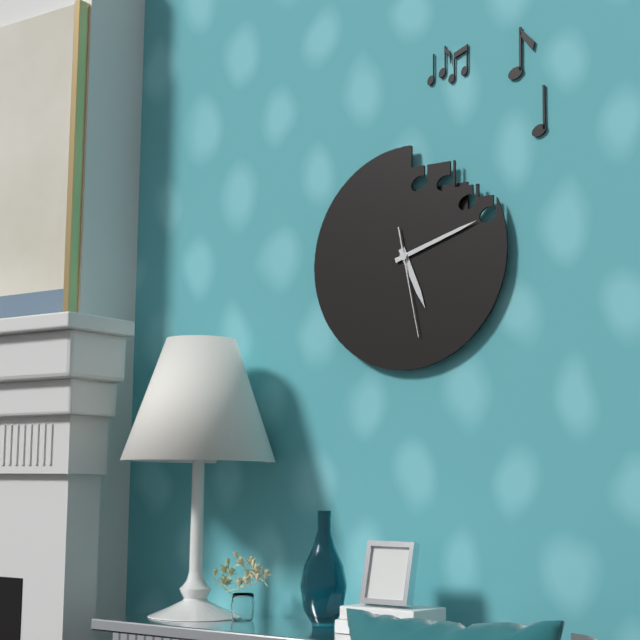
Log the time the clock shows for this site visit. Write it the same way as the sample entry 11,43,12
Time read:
5,12,28
